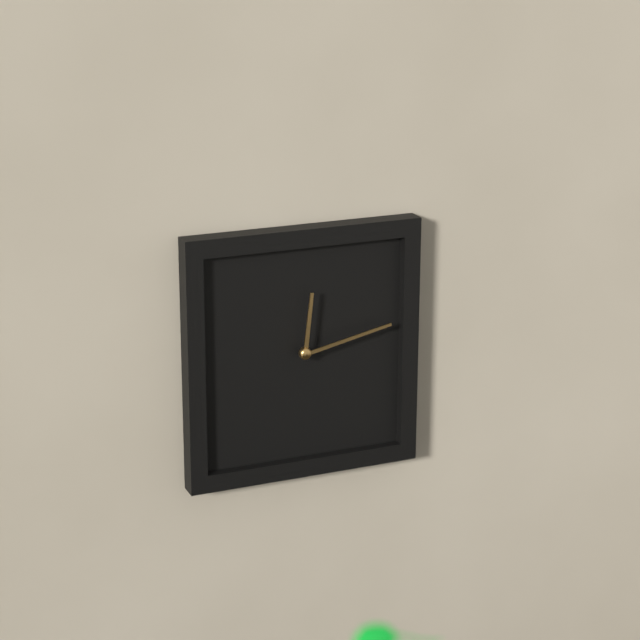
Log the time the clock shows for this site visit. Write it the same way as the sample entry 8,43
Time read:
12,13
